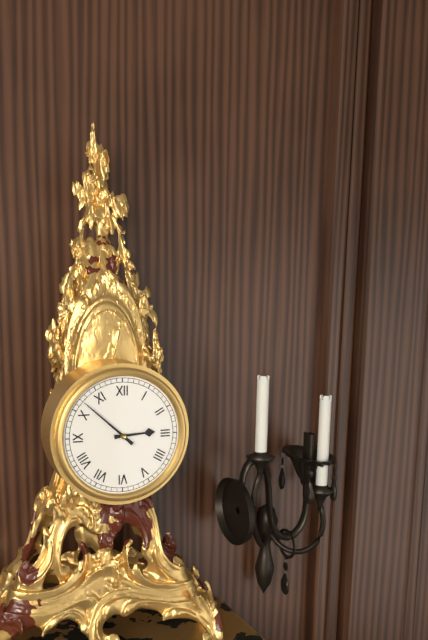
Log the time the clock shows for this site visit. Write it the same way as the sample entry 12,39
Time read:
2,52
